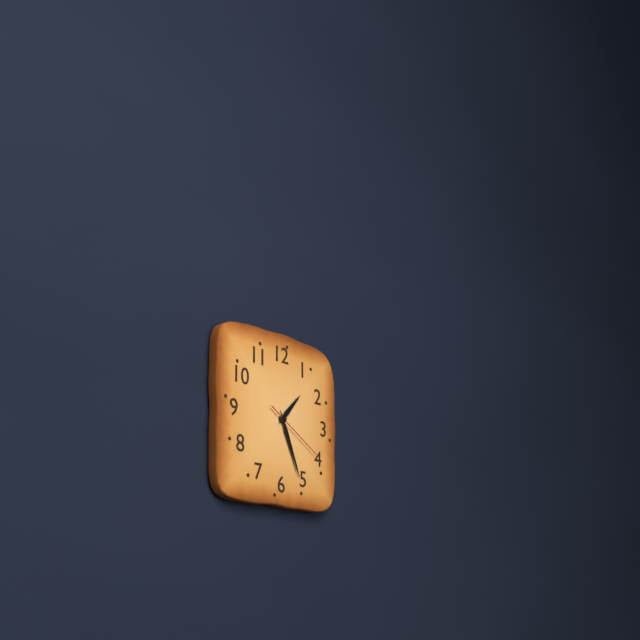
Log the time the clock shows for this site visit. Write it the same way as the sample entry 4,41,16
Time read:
1,26,20
